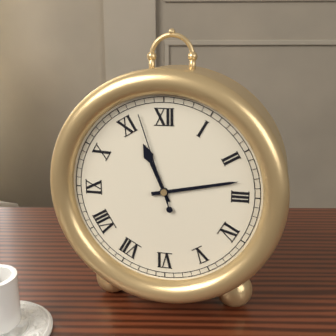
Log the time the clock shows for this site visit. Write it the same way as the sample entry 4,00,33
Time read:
11,13,57
